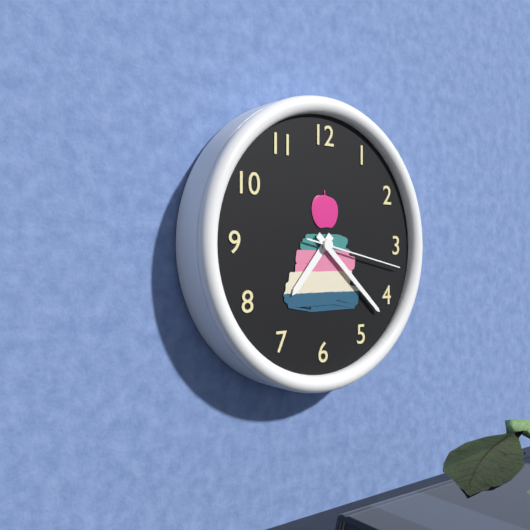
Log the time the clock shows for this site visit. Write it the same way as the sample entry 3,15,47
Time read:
7,22,17
